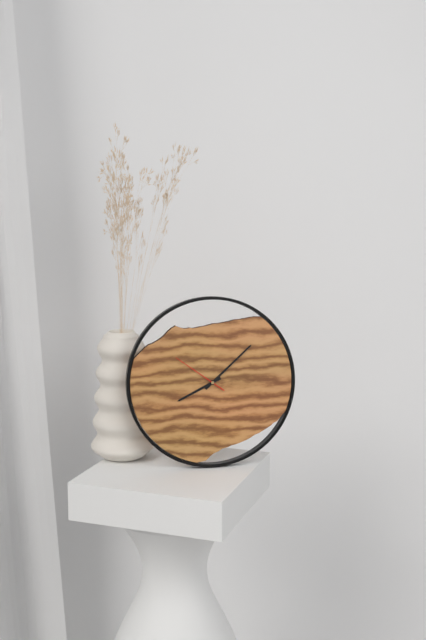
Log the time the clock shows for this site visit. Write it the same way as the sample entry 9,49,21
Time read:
8,08,51
